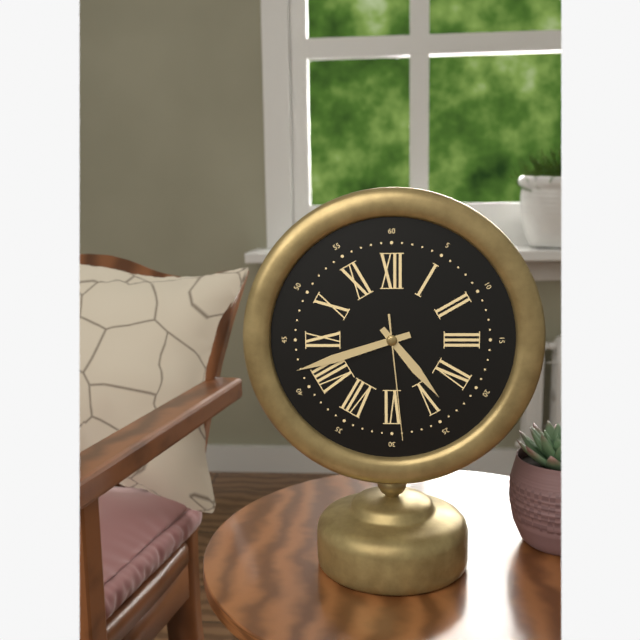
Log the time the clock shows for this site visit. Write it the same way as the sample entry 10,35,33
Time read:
4,42,29
